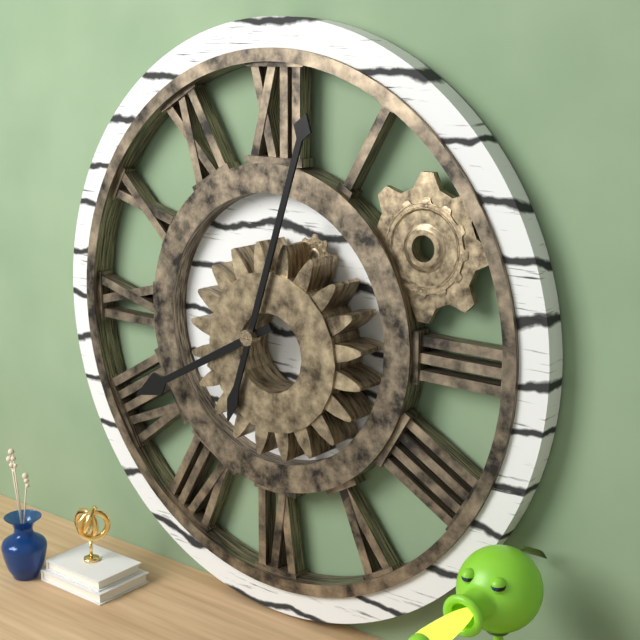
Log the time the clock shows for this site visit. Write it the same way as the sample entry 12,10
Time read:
8,03
